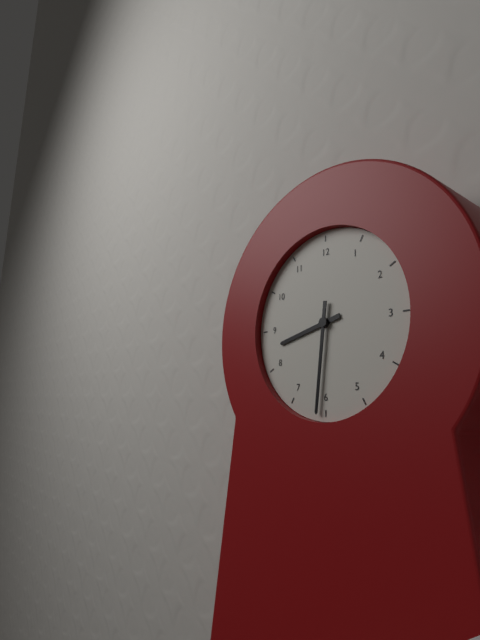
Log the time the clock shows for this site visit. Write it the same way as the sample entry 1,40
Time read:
8,31
